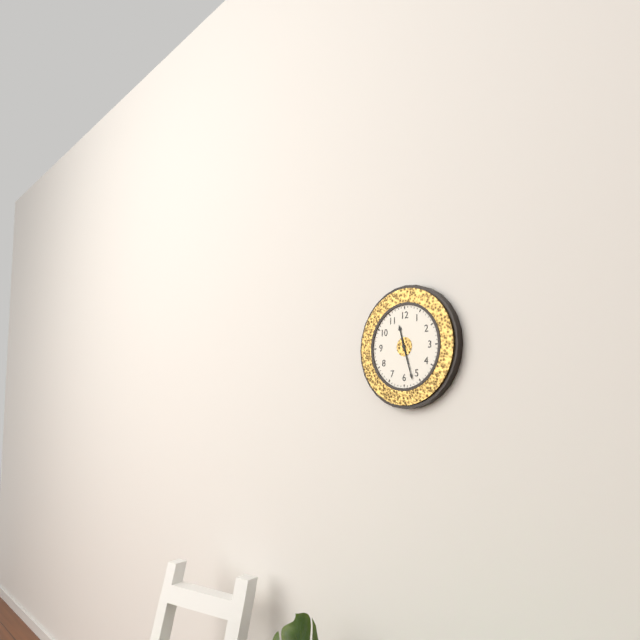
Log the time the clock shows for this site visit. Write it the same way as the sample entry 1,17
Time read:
11,27
